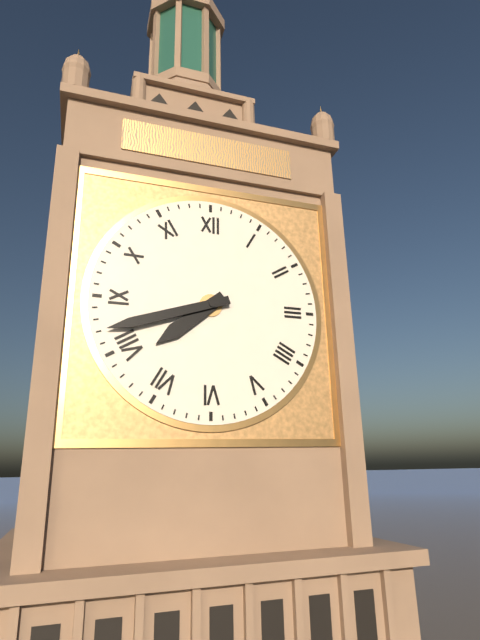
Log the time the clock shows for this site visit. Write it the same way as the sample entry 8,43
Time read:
7,42
